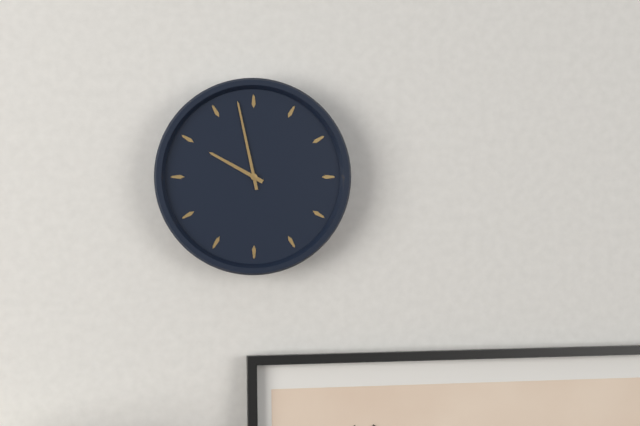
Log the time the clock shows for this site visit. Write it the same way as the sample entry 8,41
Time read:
9,58
